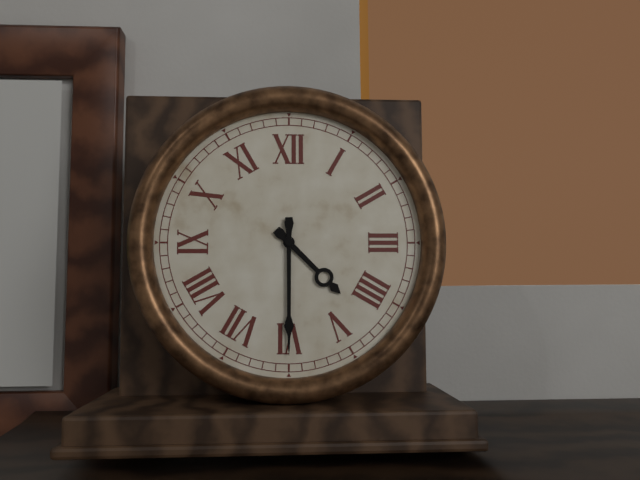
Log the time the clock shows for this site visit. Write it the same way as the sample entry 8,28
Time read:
4,30
